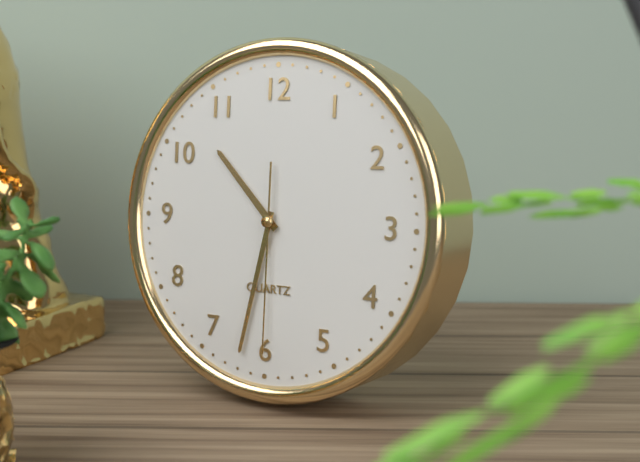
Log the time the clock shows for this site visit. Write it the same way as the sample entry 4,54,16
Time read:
10,32,30
